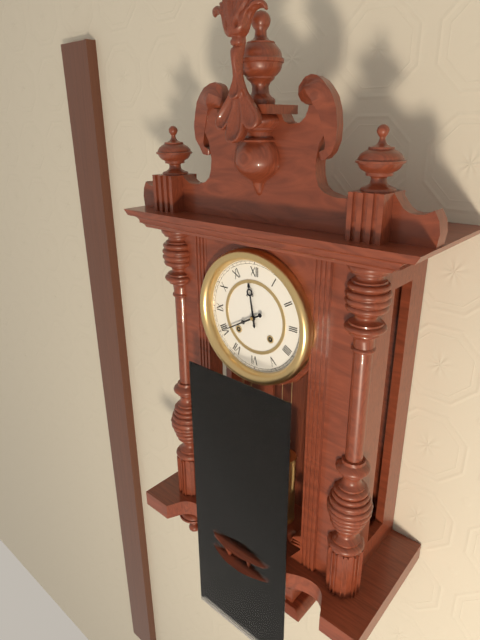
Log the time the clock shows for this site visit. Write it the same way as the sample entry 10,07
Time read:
11,40
